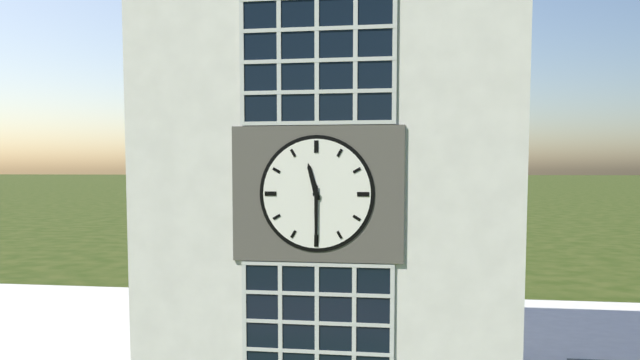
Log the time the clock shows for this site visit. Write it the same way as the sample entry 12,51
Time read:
11,30
